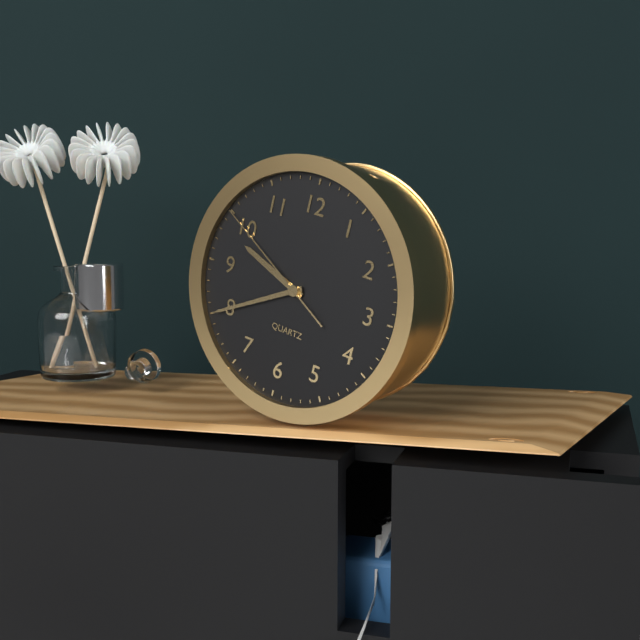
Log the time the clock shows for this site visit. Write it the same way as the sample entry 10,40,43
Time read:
9,40,50
